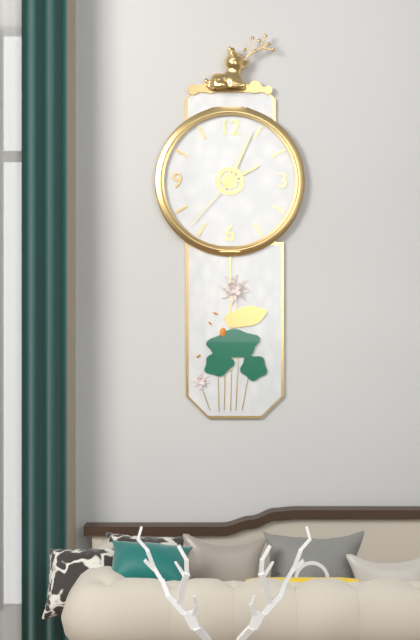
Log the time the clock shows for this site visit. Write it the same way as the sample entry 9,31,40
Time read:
2,04,37
